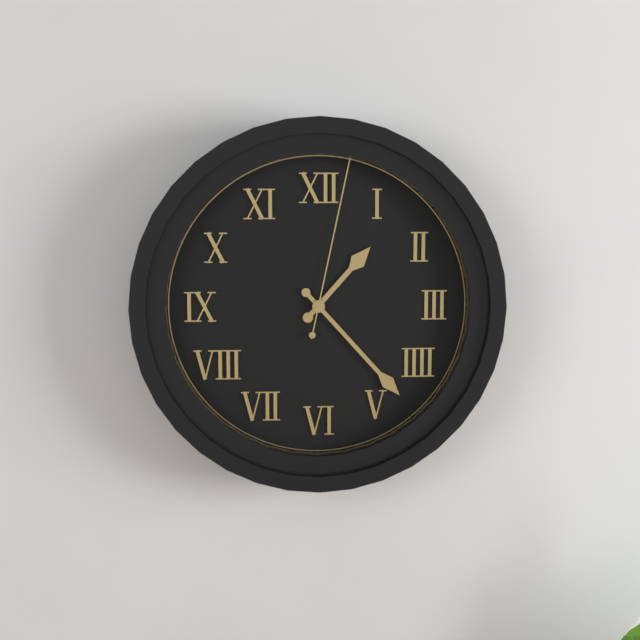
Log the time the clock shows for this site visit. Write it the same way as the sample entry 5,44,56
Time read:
1,23,02
